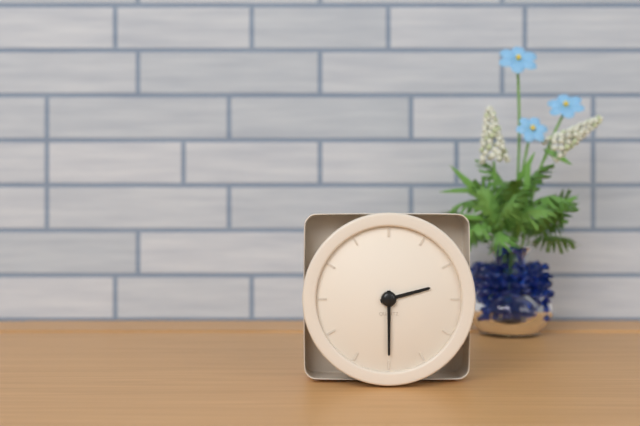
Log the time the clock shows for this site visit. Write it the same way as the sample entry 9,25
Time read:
2,30
